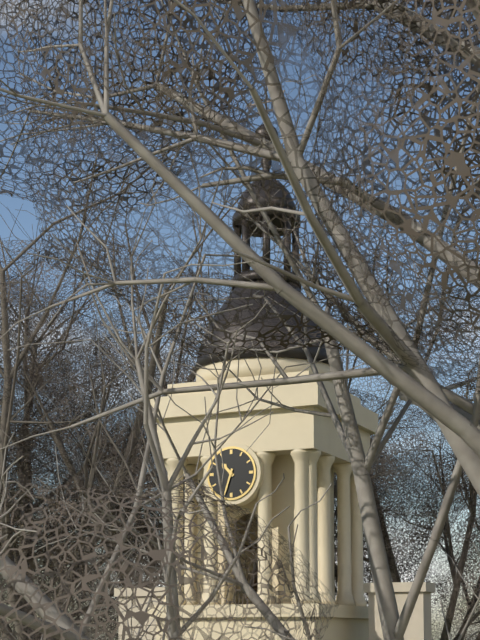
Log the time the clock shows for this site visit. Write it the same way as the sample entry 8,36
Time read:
10,33
